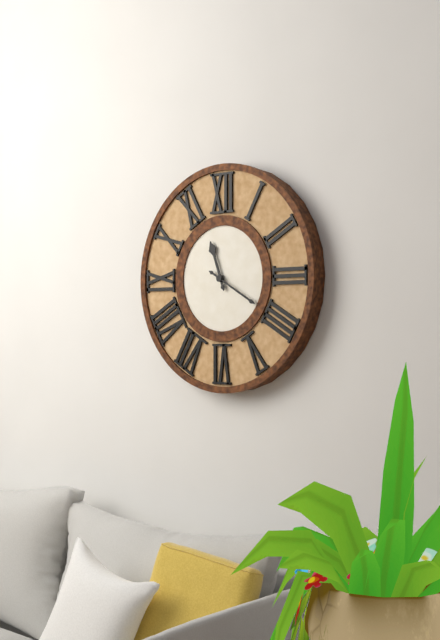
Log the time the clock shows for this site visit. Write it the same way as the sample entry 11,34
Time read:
11,20
